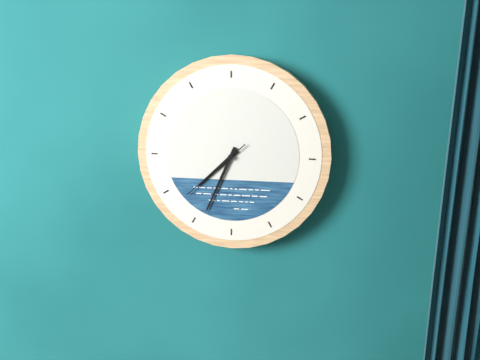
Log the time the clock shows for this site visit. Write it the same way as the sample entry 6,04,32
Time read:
7,34,38
